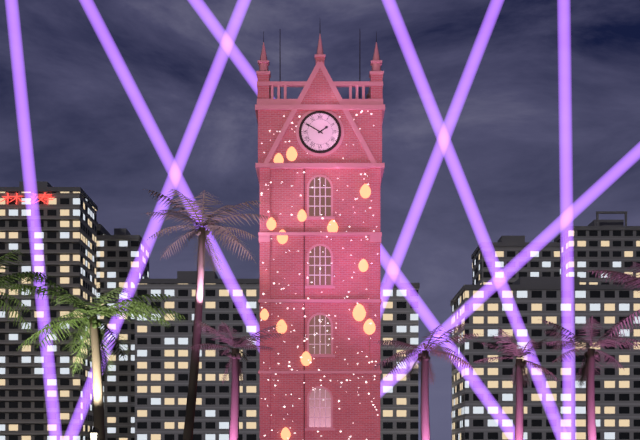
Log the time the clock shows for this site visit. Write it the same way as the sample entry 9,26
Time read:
1,50
